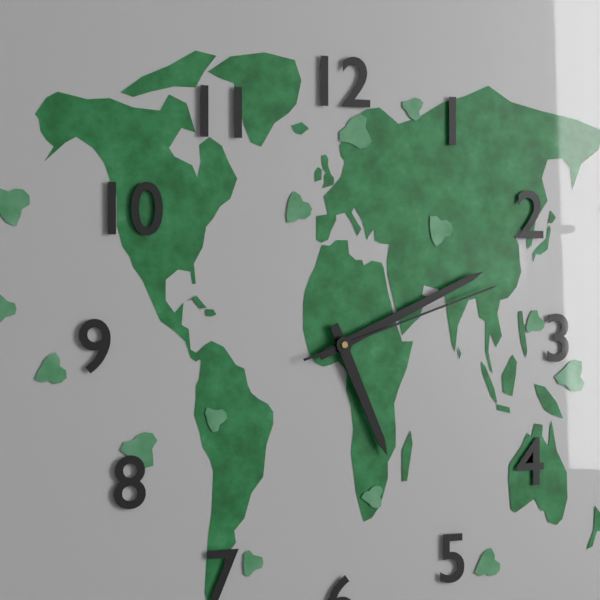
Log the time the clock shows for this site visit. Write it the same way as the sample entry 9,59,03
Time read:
5,11,12
